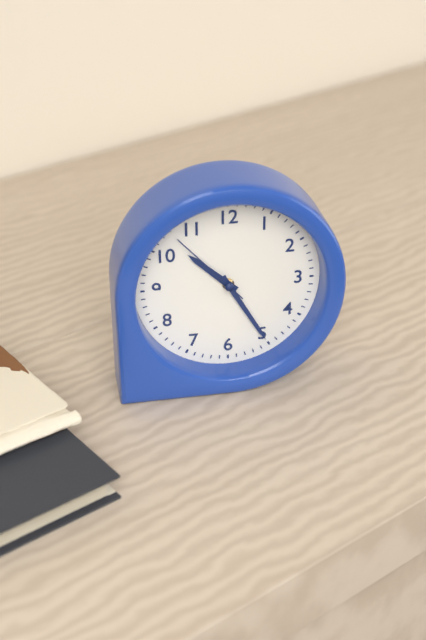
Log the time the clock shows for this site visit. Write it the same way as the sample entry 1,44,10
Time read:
10,25,53
